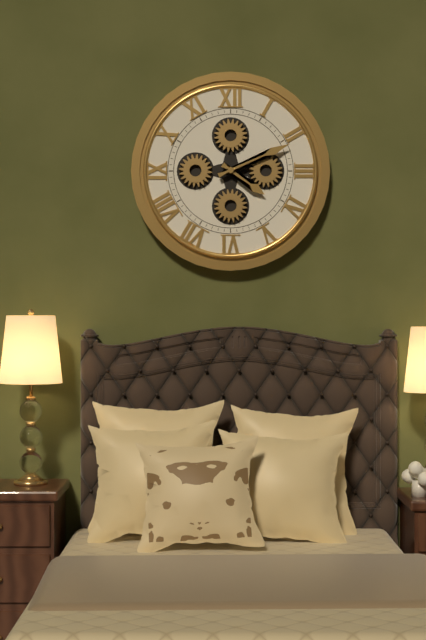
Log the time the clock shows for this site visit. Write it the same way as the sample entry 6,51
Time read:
4,11
